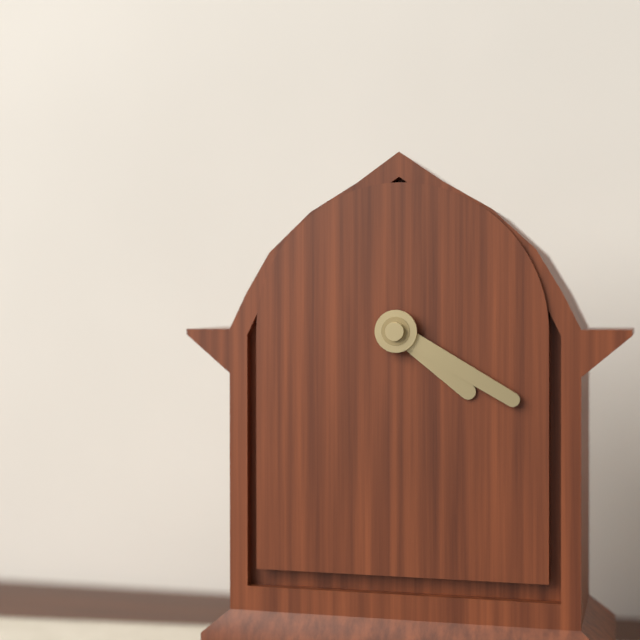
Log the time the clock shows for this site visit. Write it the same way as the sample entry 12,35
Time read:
4,20
